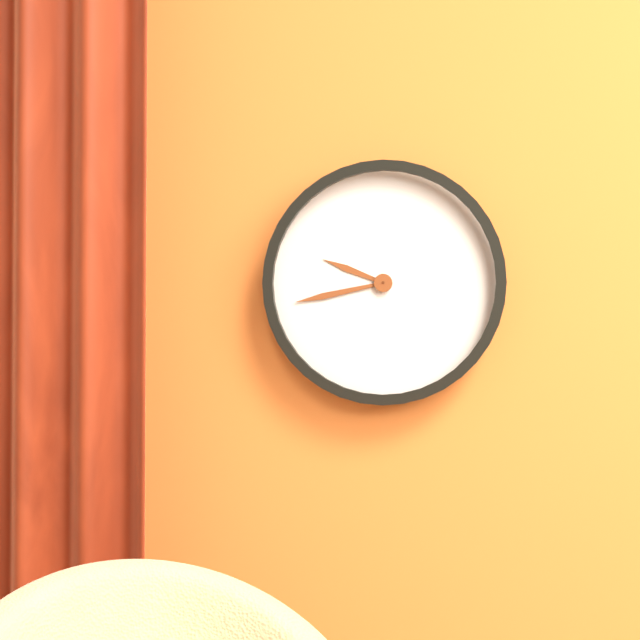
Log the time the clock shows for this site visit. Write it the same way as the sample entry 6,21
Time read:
9,43
